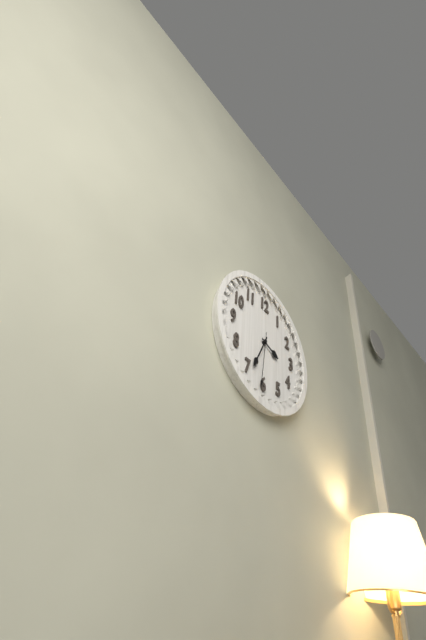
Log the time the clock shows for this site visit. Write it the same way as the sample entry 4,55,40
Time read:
3,34,31
